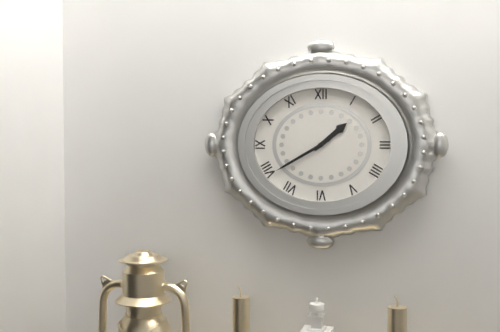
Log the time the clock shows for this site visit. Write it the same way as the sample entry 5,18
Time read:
1,40
